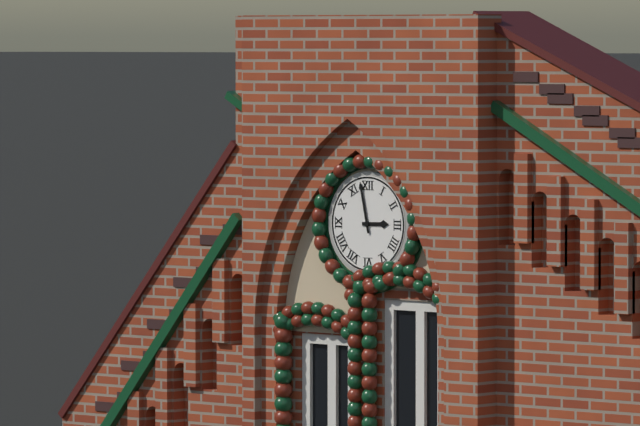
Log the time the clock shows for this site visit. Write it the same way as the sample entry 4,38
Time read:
2,58
